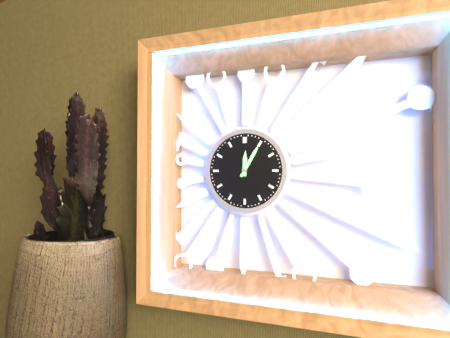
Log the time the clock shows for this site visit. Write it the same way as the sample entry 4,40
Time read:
12,05
